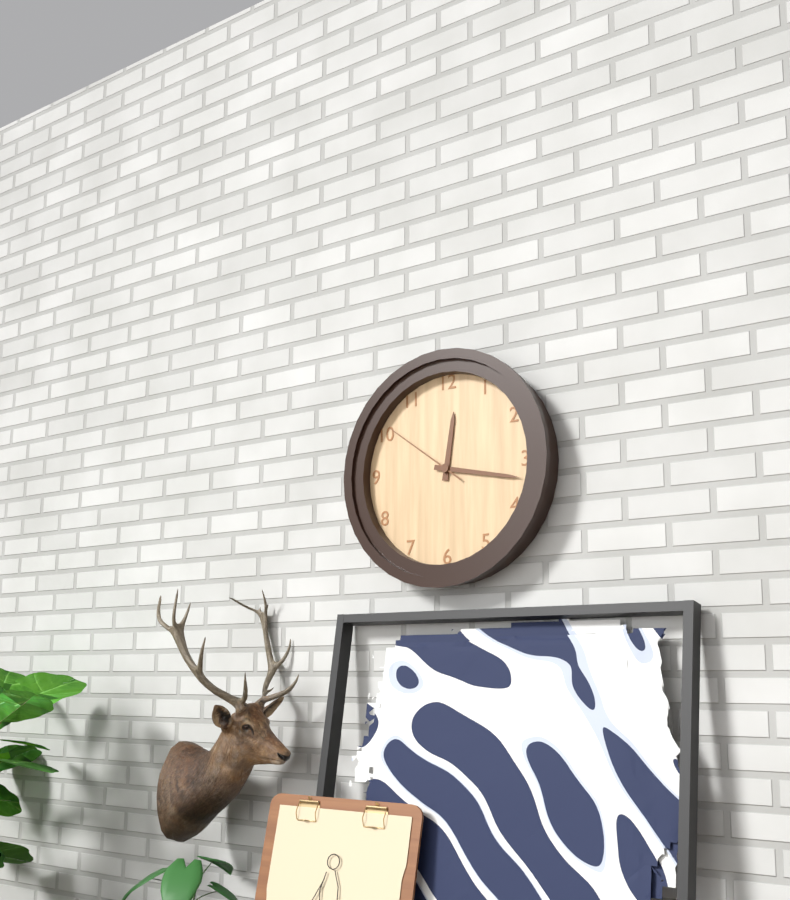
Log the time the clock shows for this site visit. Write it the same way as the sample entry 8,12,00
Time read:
12,17,51
